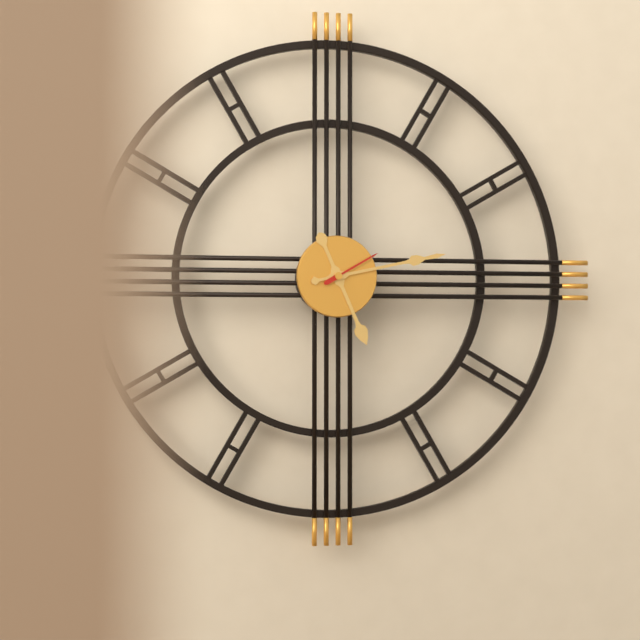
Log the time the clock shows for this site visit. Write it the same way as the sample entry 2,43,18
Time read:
5,13,10
